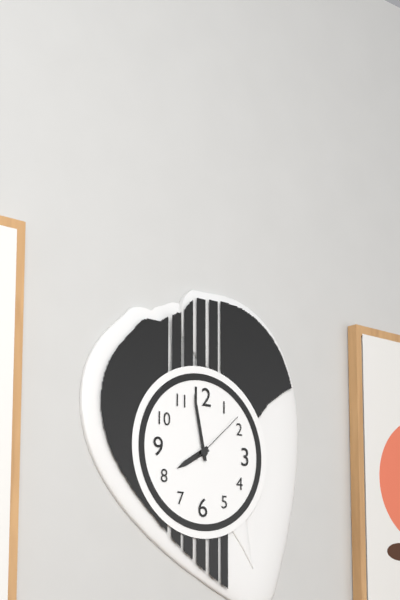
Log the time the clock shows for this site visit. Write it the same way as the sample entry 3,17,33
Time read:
7,58,08
